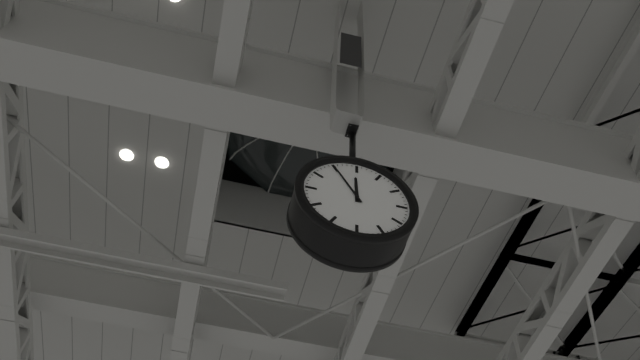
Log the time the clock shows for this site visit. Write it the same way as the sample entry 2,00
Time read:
11,55
